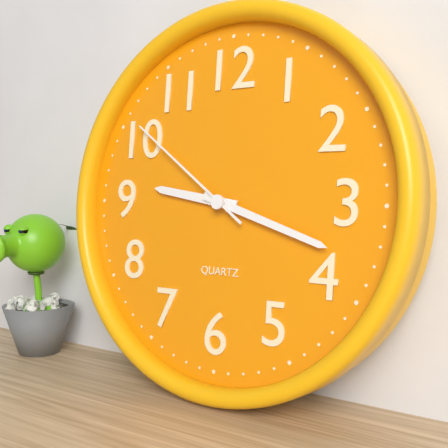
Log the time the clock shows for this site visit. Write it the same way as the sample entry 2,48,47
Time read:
9,18,51
